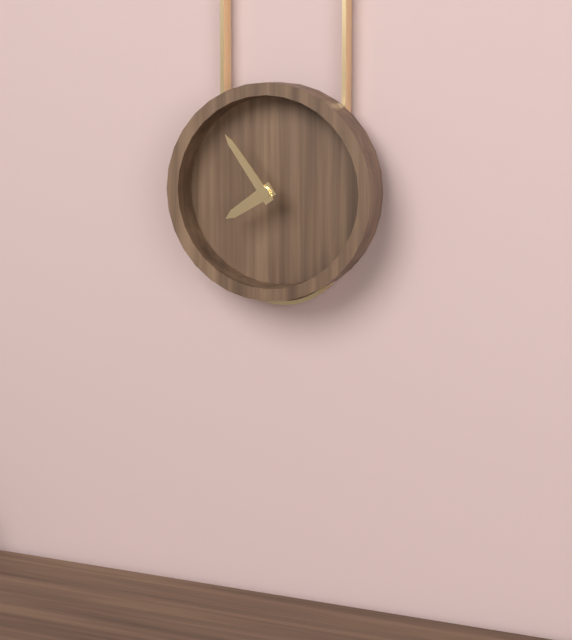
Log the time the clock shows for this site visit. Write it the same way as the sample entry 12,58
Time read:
7,54
